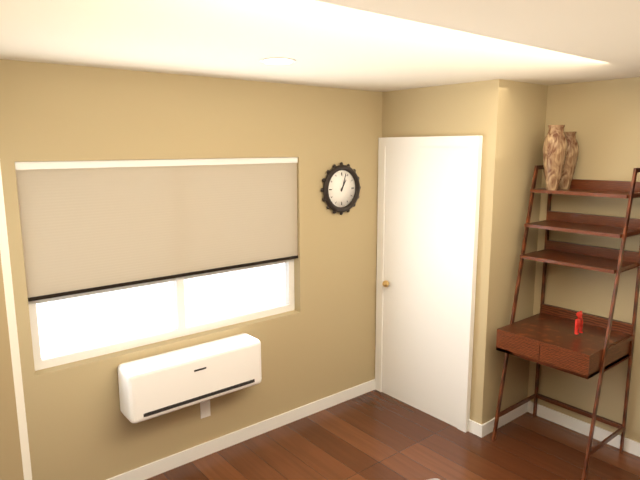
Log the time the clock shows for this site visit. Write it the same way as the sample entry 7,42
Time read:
1,03
